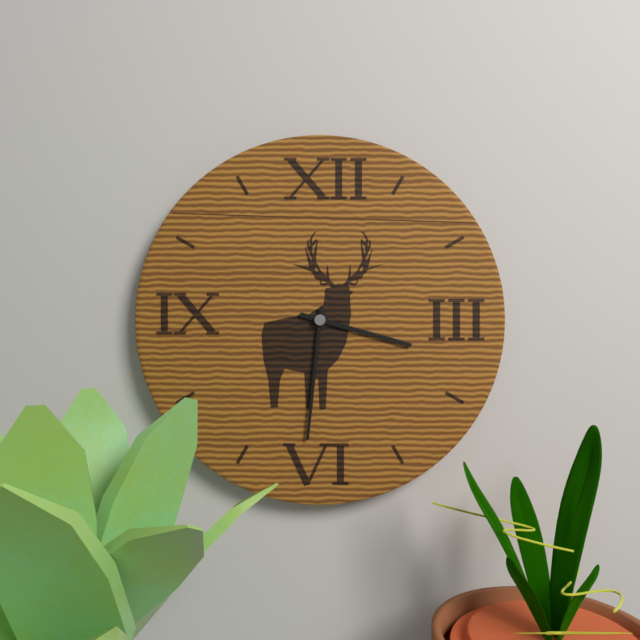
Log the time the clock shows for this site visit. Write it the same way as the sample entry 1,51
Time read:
3,31
